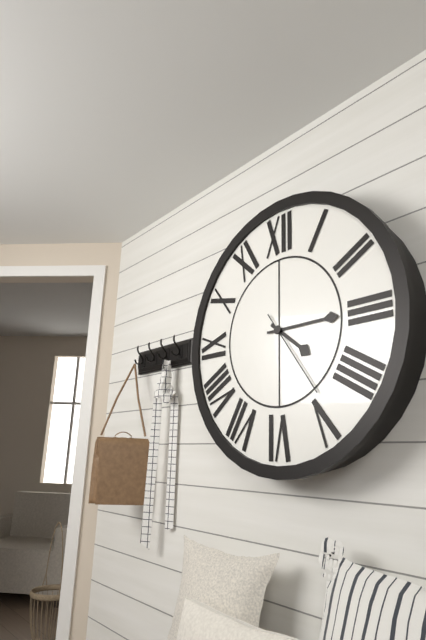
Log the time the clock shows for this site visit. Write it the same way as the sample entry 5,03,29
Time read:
4,15,24
